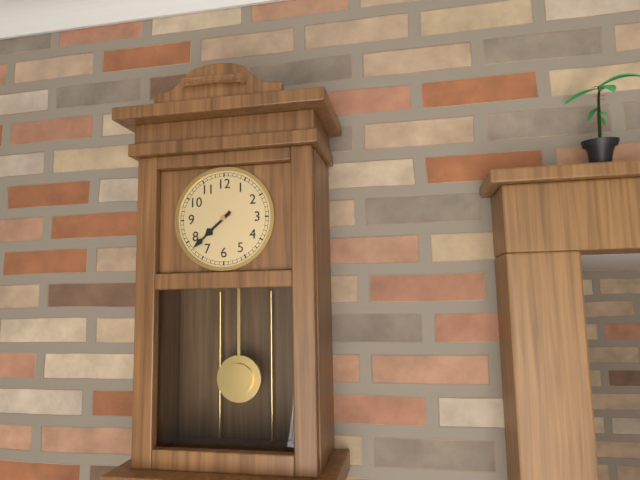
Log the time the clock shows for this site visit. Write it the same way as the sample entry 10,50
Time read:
7,38
